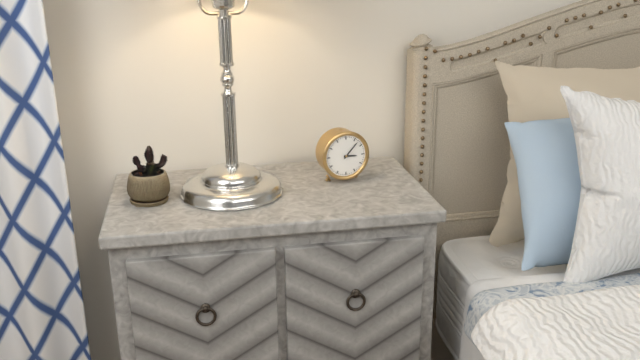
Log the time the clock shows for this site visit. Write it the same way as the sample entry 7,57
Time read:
3,07
